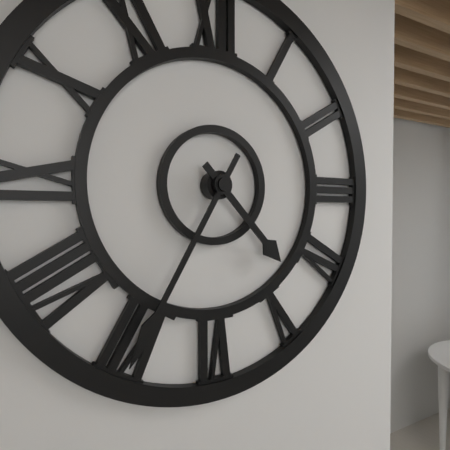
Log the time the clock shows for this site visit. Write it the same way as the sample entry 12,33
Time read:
4,35
